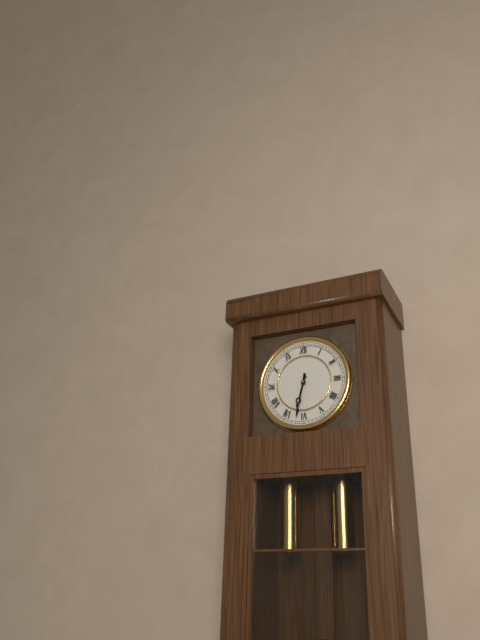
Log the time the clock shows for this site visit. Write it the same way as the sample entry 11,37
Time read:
6,32
